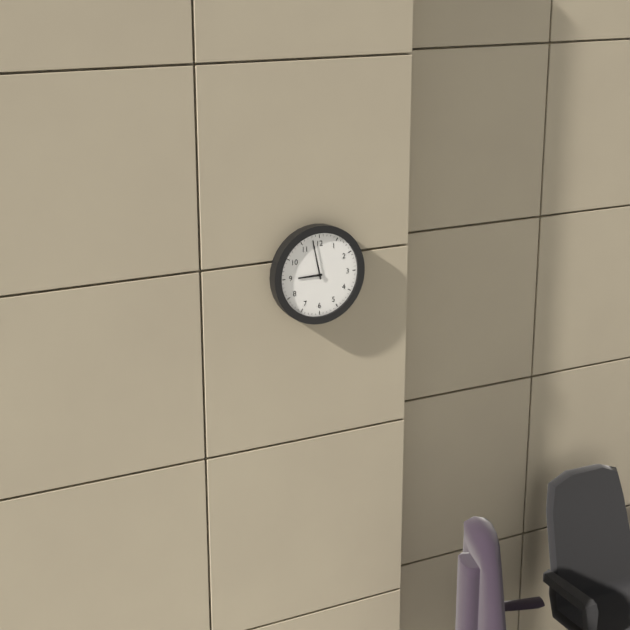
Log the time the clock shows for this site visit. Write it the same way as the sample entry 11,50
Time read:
8,58
